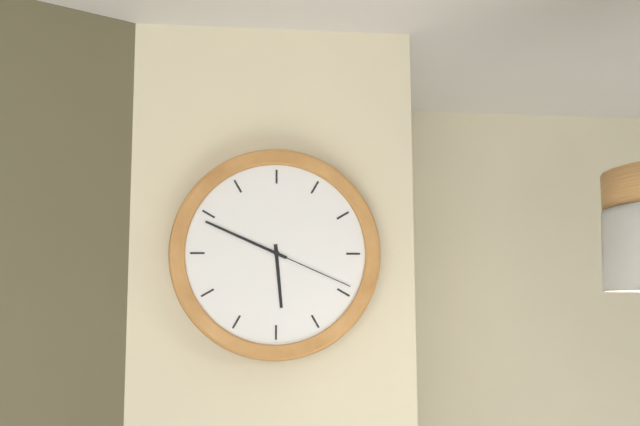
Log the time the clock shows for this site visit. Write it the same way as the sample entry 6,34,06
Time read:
5,49,19
